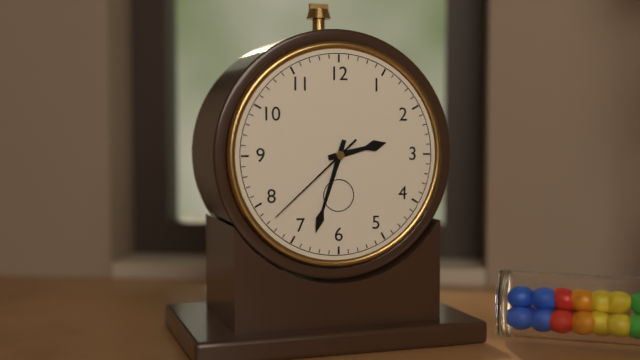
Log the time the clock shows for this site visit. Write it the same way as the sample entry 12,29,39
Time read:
2,33,38
